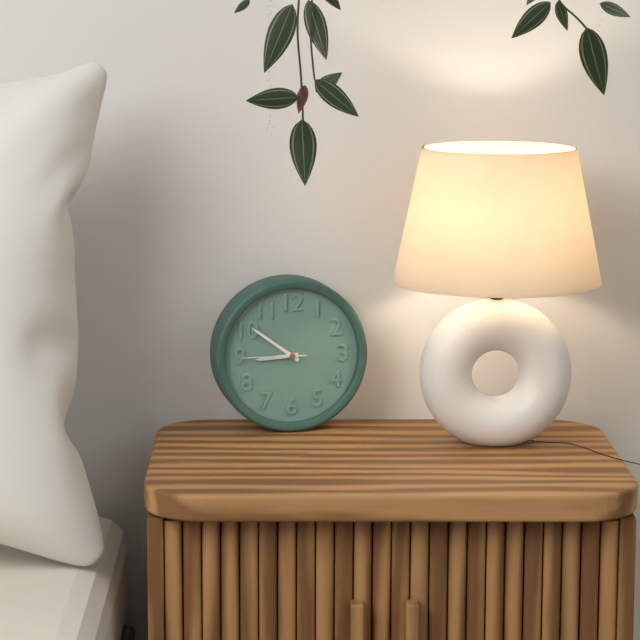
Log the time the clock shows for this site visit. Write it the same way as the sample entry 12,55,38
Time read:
8,51,45
